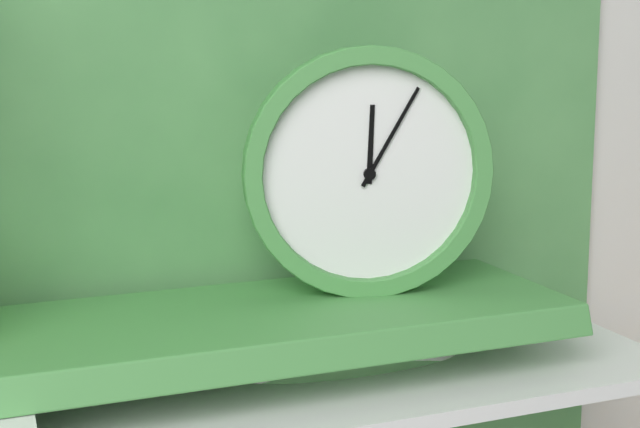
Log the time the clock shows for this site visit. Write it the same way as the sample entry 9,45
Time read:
12,05
